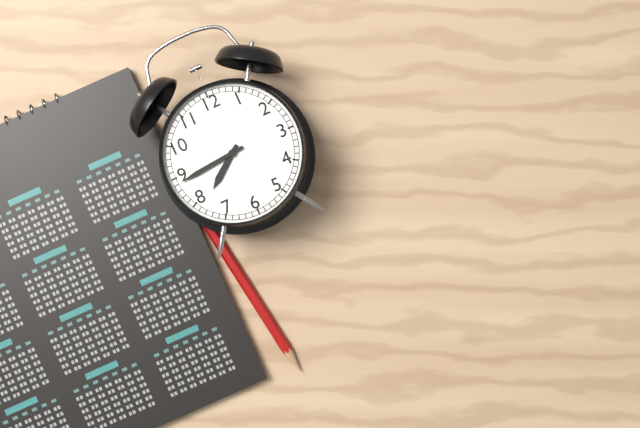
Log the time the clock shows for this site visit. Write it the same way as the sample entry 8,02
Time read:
7,44
